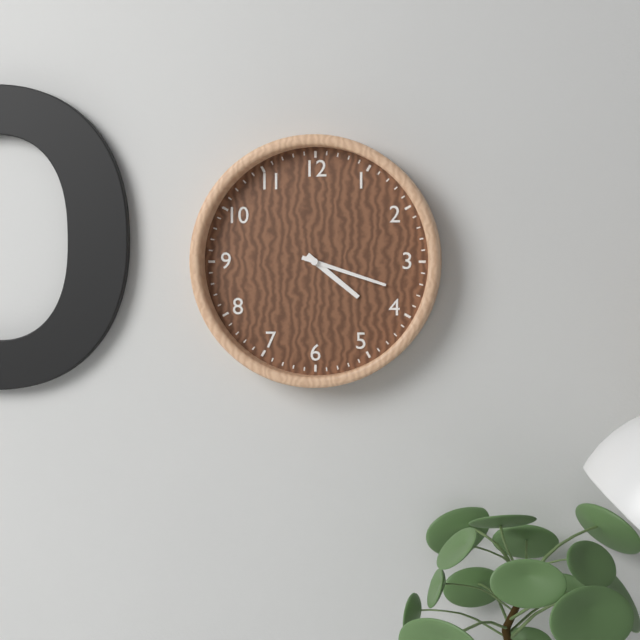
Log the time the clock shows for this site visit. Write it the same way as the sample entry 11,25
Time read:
4,18
